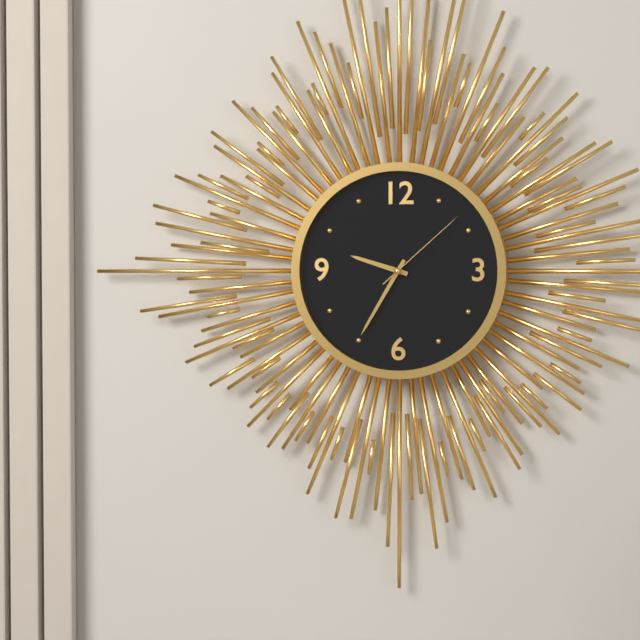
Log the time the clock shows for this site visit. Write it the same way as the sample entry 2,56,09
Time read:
9,35,08
